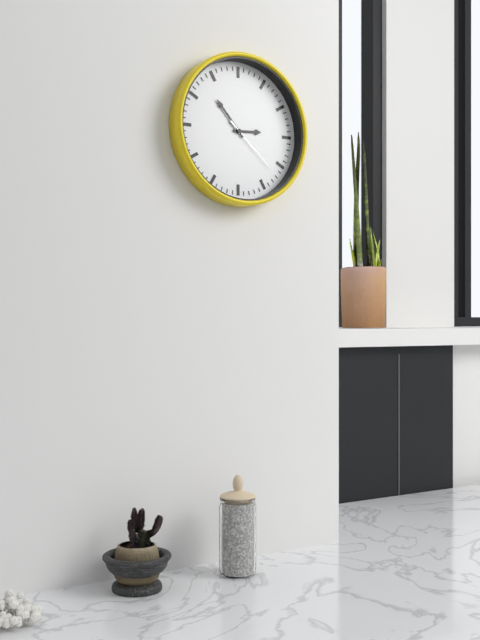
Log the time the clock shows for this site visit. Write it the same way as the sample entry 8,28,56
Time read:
2,53,22
